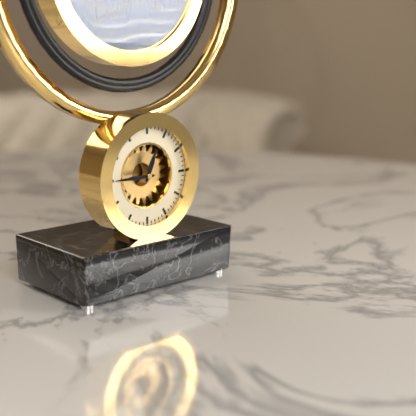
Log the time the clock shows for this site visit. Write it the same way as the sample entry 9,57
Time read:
12,45
